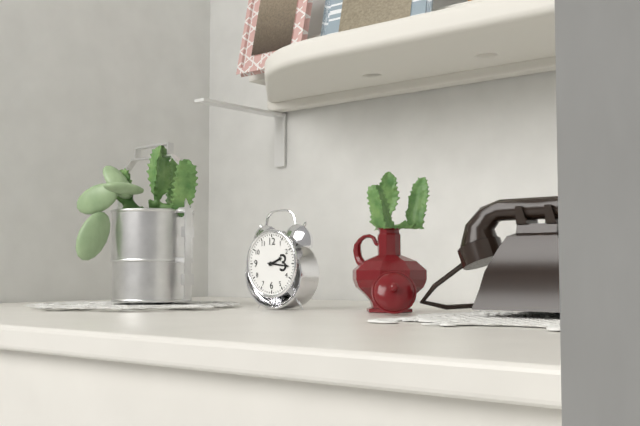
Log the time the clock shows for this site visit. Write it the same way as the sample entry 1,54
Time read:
2,16
